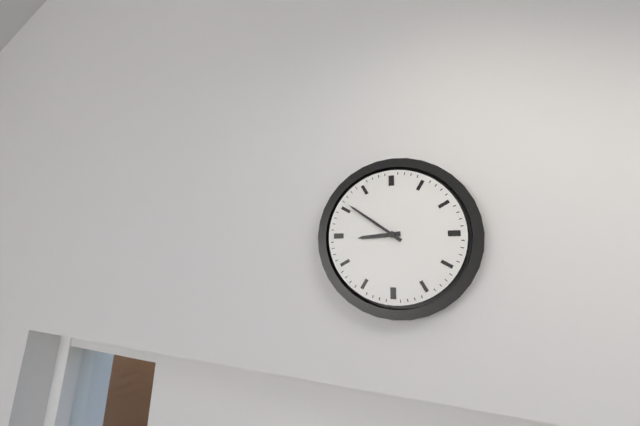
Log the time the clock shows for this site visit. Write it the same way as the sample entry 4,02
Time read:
8,51
